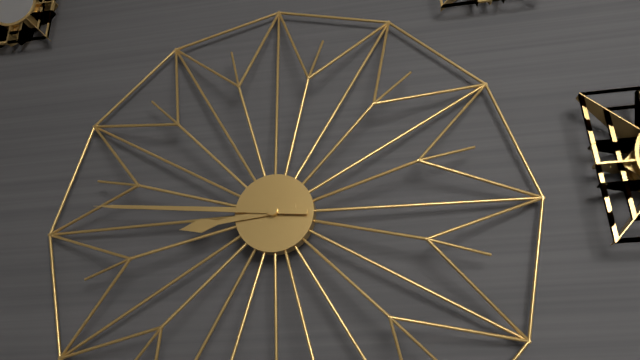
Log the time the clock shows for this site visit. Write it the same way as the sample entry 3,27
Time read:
8,46
